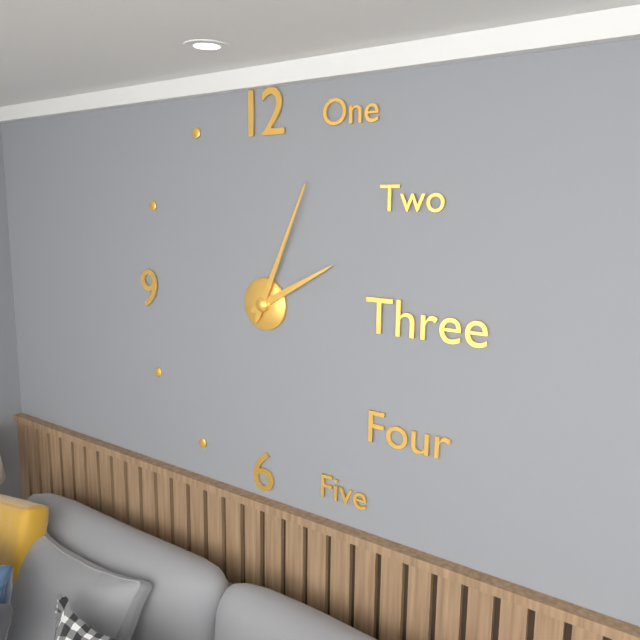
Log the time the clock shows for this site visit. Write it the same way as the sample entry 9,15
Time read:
2,04
